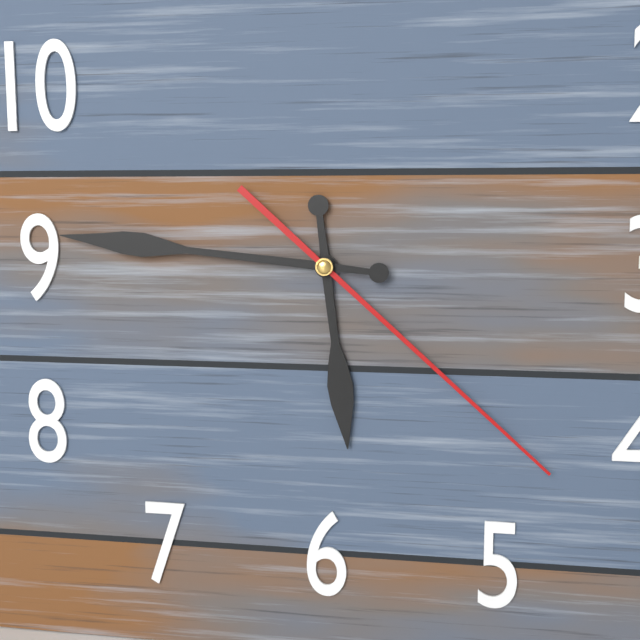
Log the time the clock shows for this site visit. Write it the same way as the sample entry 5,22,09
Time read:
5,46,22
